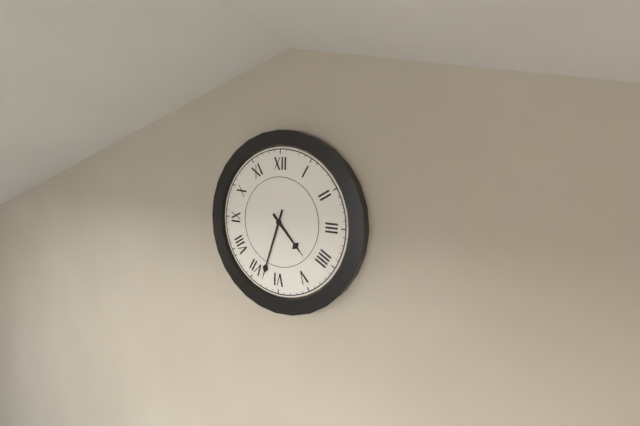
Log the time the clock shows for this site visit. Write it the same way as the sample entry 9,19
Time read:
4,33
